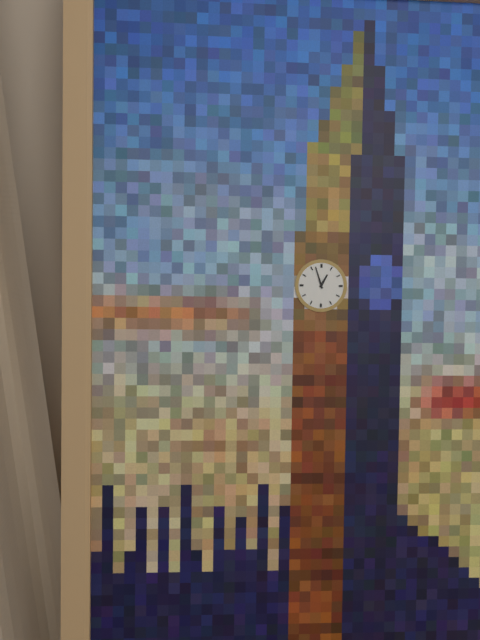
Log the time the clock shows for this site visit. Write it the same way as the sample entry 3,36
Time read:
12,57
